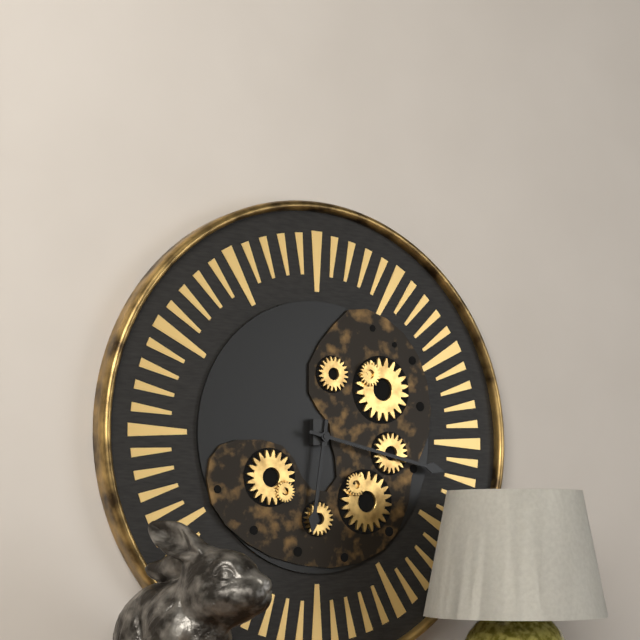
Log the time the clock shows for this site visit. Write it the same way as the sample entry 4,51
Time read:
6,17
